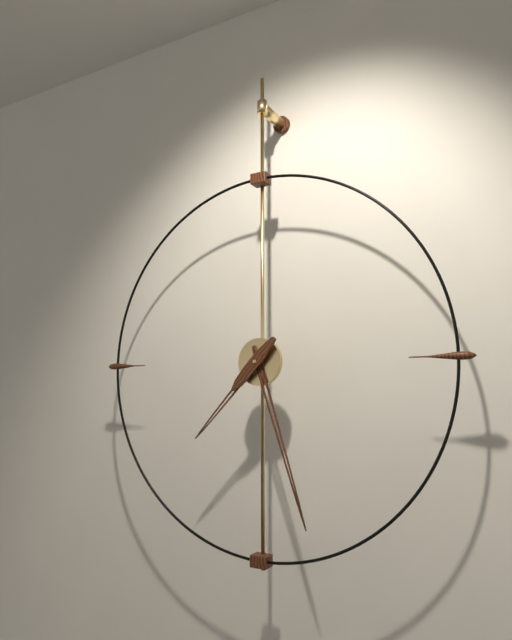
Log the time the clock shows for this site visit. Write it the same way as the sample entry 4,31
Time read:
7,27
